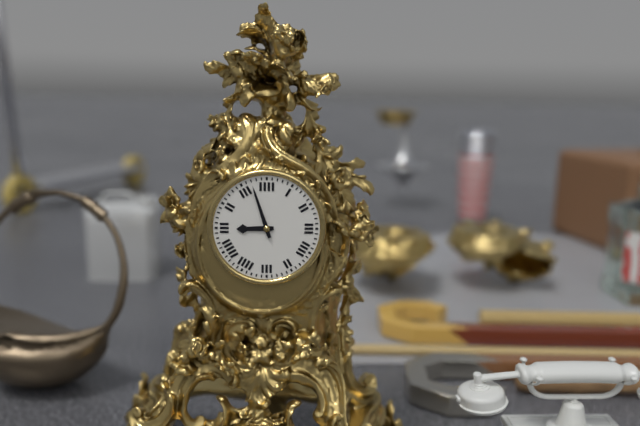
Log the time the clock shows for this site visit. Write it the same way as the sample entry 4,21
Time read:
8,57
